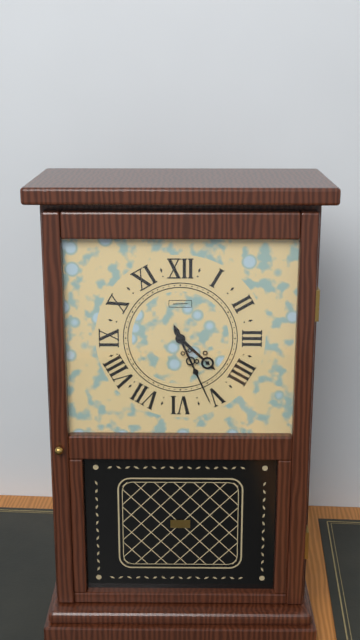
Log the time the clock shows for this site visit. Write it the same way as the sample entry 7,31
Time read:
4,26
